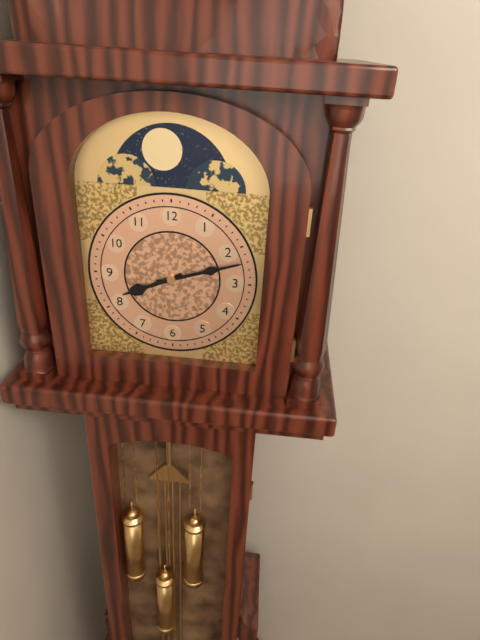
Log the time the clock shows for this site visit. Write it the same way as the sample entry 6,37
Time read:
8,12
